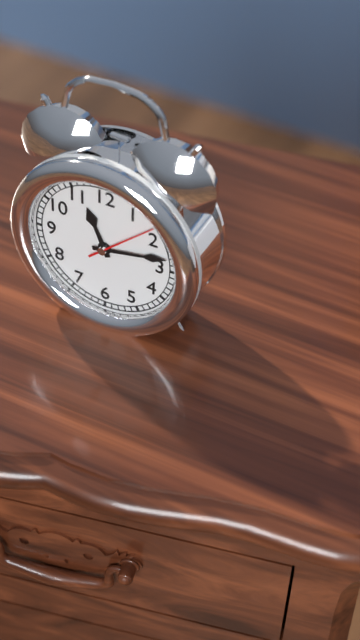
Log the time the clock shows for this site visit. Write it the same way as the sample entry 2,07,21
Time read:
11,13,08
